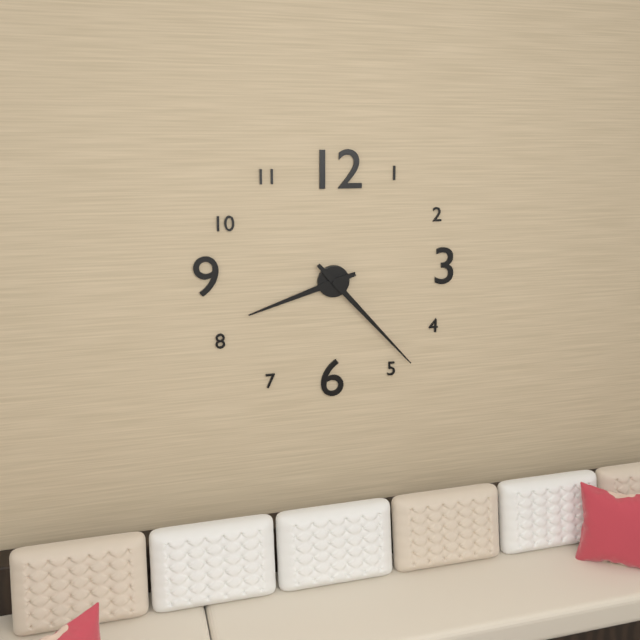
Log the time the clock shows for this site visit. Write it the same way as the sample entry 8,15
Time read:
8,23
